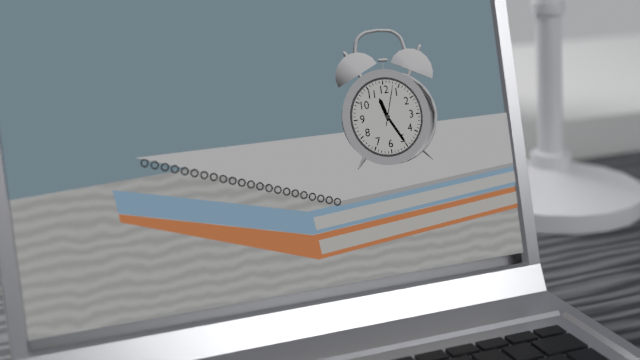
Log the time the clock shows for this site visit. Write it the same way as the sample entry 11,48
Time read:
11,25
